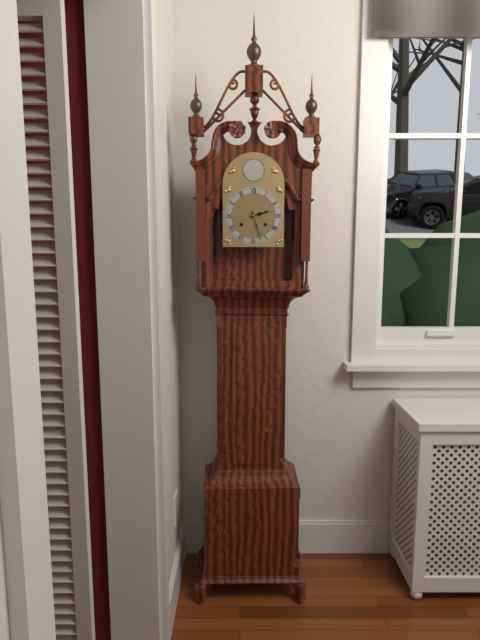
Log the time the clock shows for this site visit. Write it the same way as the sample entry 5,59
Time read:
2,27
